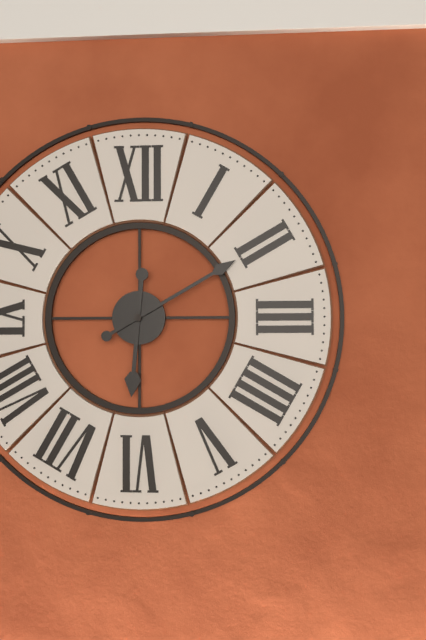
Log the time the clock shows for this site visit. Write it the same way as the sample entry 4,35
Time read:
6,10
